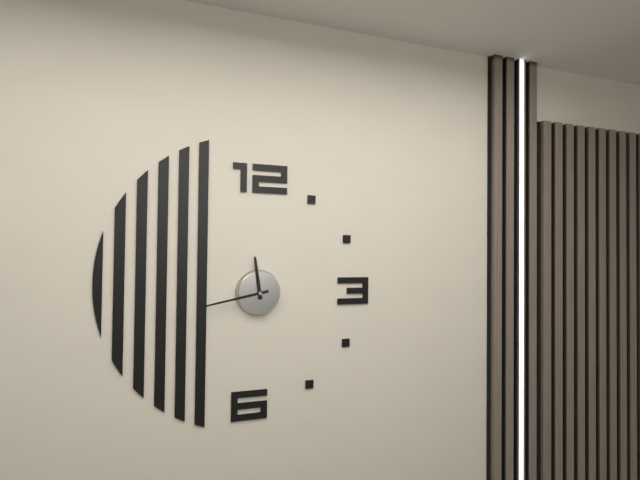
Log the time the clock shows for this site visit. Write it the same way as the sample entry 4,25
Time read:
11,43
